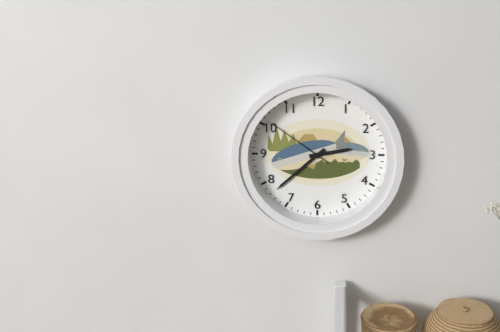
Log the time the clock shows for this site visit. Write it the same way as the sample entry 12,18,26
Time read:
2,38,51
